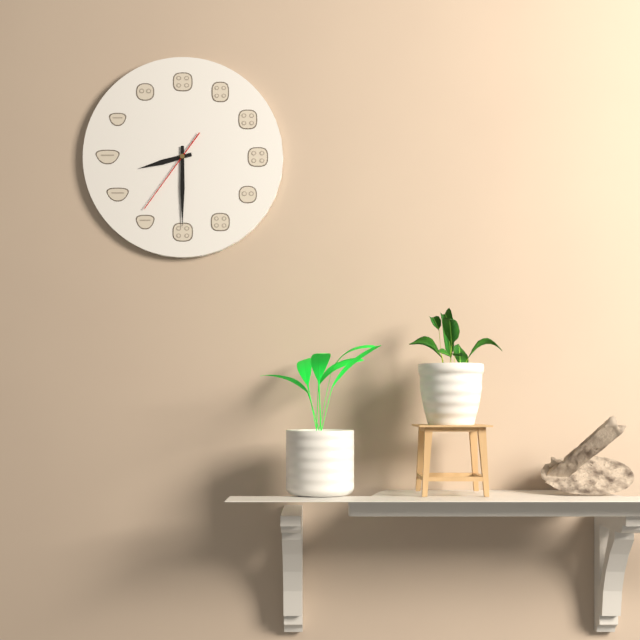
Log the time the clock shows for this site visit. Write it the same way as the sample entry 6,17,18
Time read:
8,30,36
